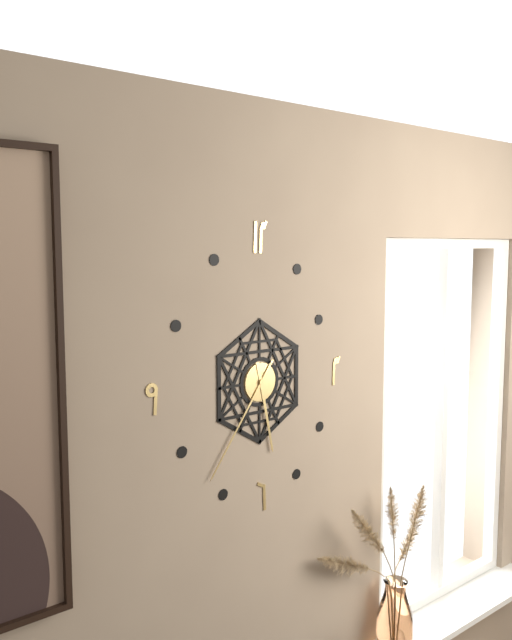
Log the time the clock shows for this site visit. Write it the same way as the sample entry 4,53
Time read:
5,36
